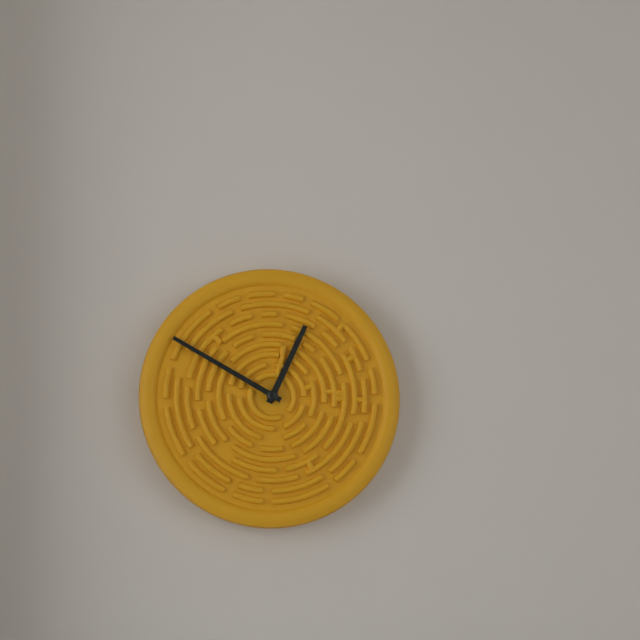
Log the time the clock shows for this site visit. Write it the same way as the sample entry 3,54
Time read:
12,50
